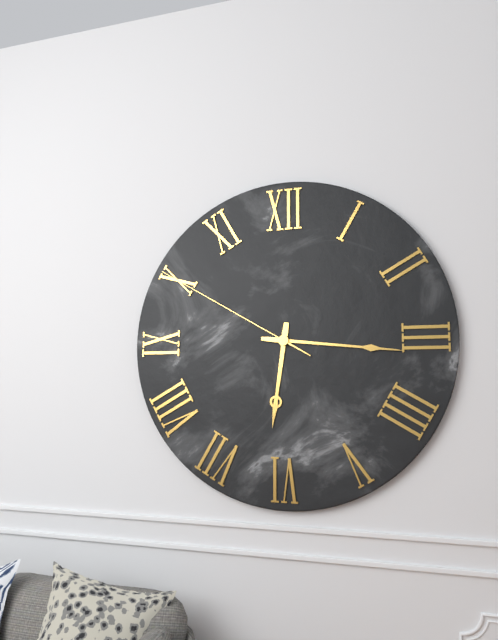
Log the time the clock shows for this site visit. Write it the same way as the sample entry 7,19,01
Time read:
6,16,50
